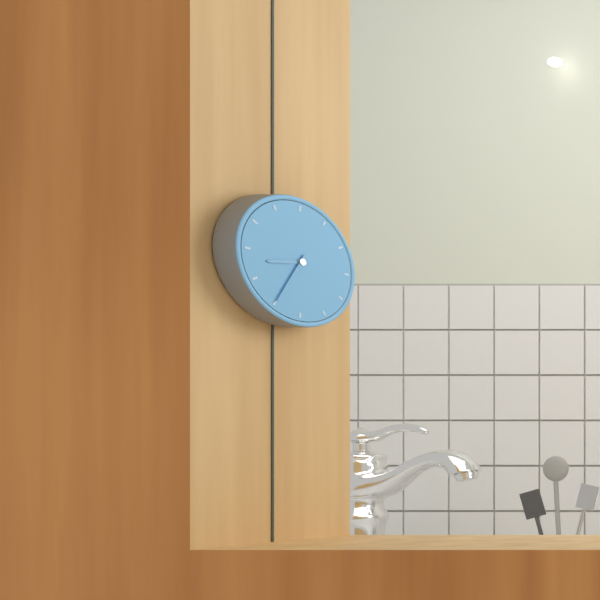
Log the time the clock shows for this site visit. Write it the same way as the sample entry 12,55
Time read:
8,35
